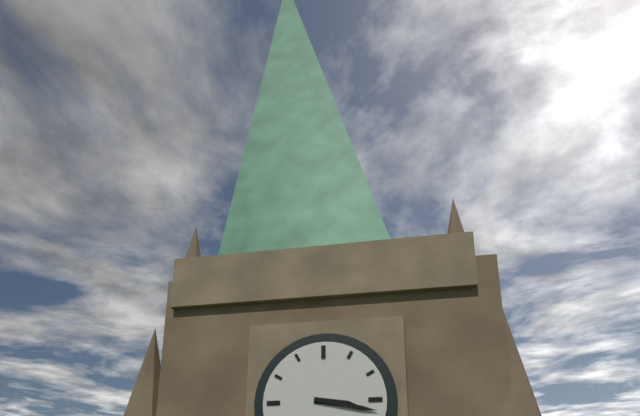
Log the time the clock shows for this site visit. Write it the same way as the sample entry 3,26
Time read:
3,17
